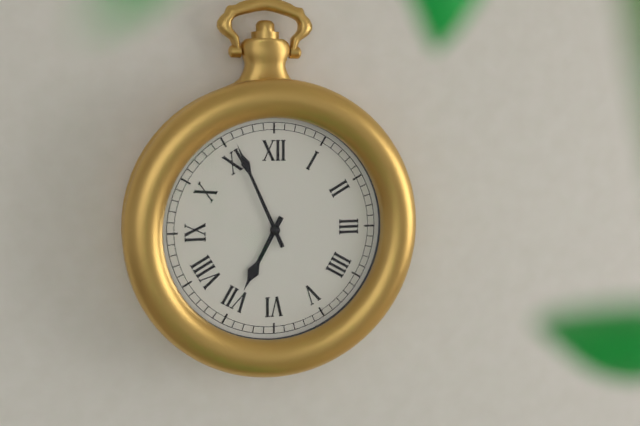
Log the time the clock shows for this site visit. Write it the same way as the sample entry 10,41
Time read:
6,56
